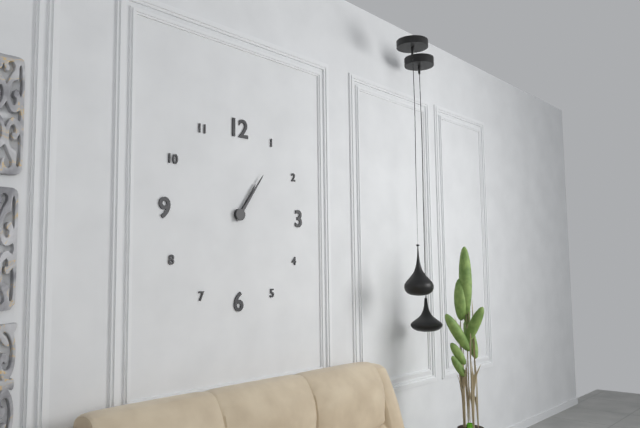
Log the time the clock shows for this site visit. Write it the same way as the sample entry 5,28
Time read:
1,06
